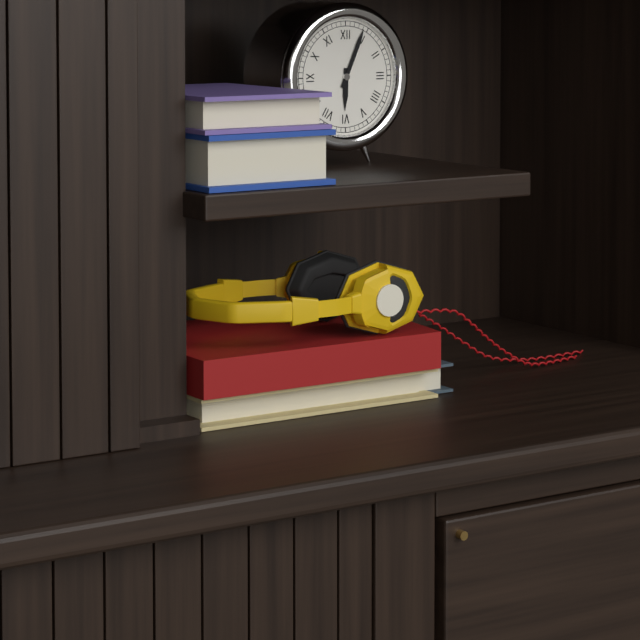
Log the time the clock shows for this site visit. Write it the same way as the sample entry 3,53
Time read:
6,04
